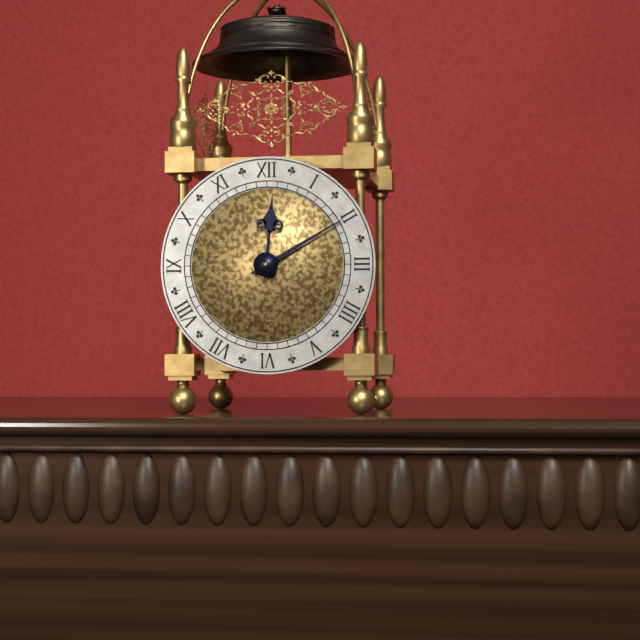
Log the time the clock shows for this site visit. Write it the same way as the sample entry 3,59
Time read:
12,10
